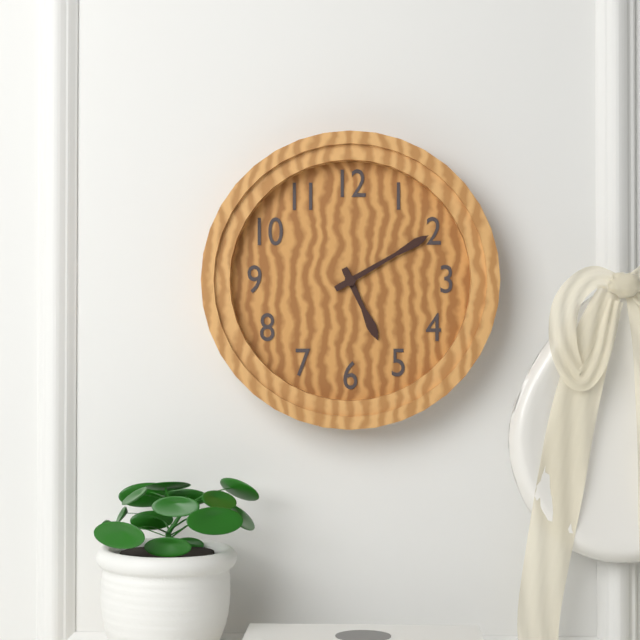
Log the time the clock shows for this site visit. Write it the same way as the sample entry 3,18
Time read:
5,10
